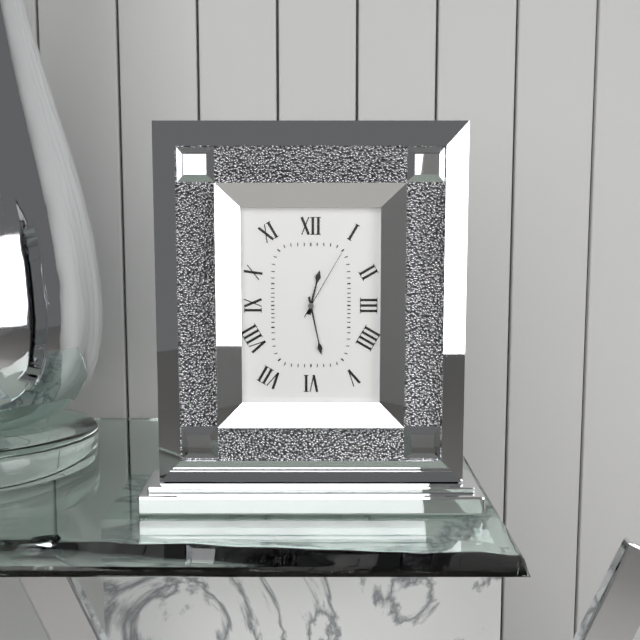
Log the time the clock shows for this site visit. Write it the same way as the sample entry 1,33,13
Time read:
12,28,05
